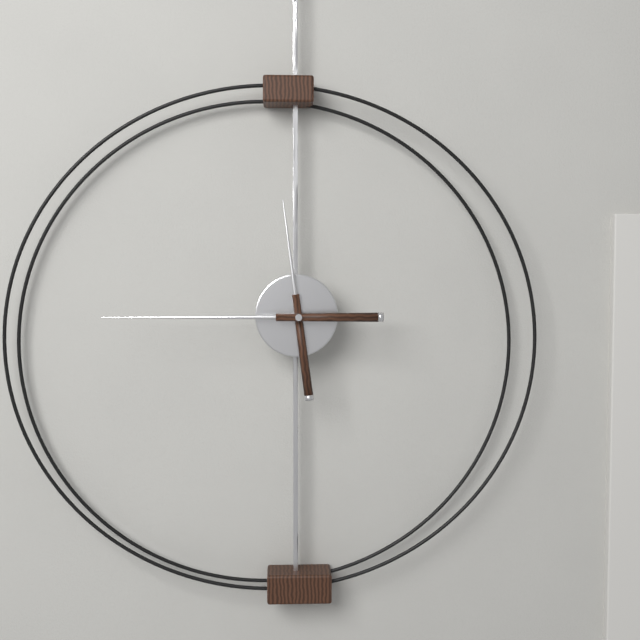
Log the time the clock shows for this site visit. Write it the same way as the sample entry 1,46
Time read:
11,45
